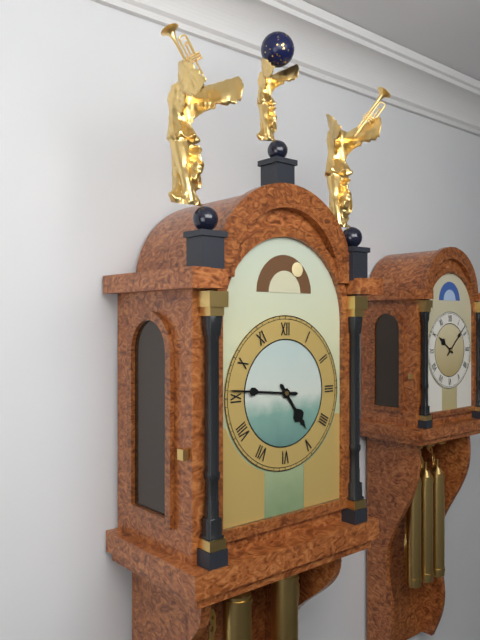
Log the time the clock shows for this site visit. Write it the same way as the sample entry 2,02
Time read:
4,46
